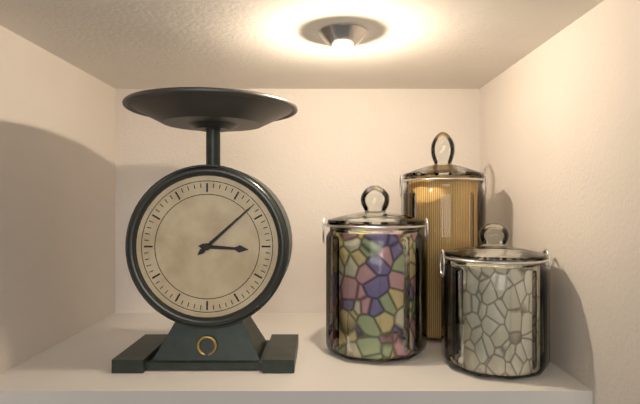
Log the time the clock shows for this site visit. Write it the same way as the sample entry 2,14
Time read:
3,08
